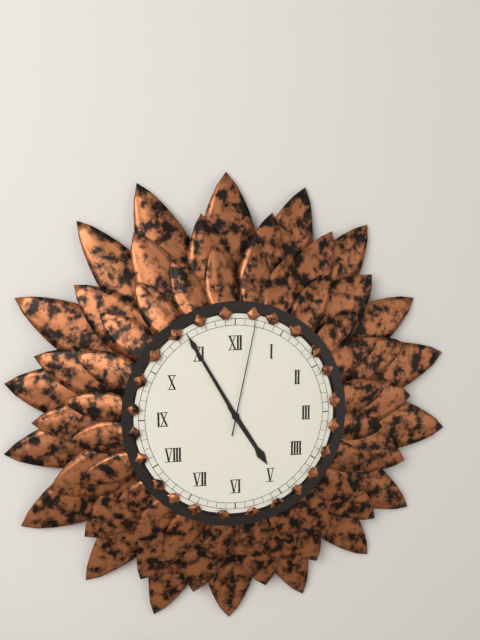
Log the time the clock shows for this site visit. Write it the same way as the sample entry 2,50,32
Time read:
4,55,02
